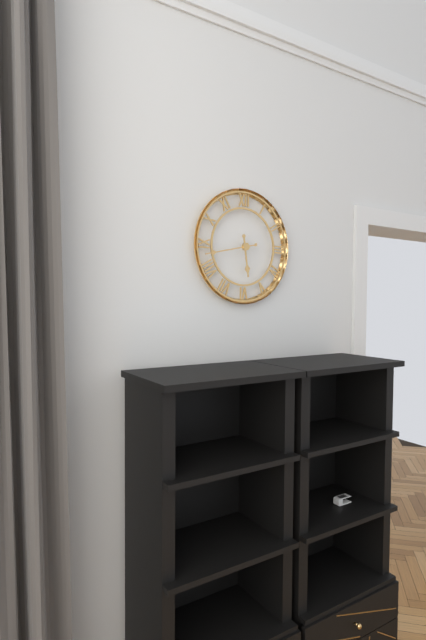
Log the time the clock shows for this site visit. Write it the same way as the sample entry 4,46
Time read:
5,43
